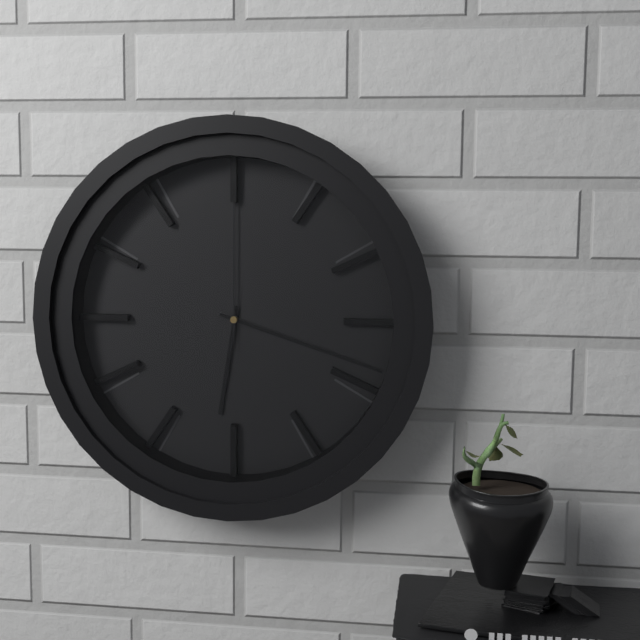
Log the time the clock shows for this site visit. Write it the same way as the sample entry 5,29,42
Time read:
6,18,00
